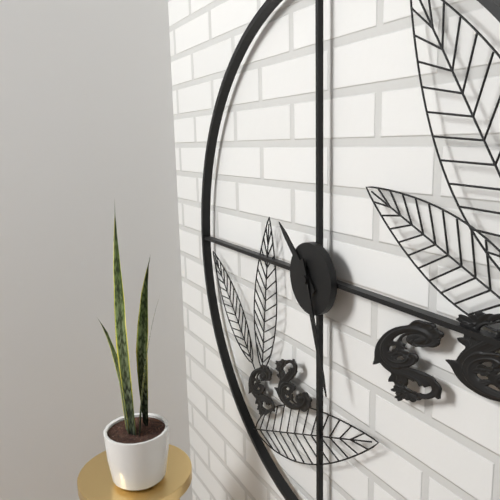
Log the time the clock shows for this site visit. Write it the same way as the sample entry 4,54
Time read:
10,27
